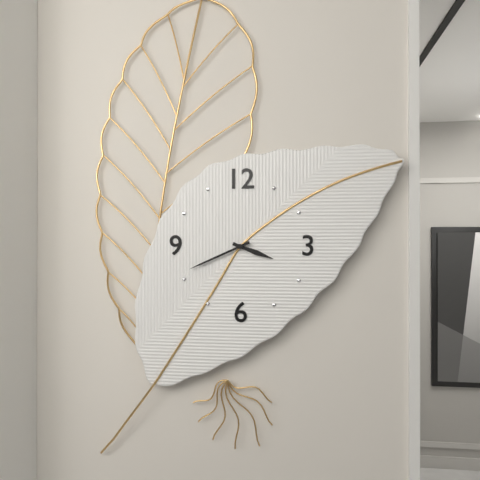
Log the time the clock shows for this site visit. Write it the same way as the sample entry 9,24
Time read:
3,41
